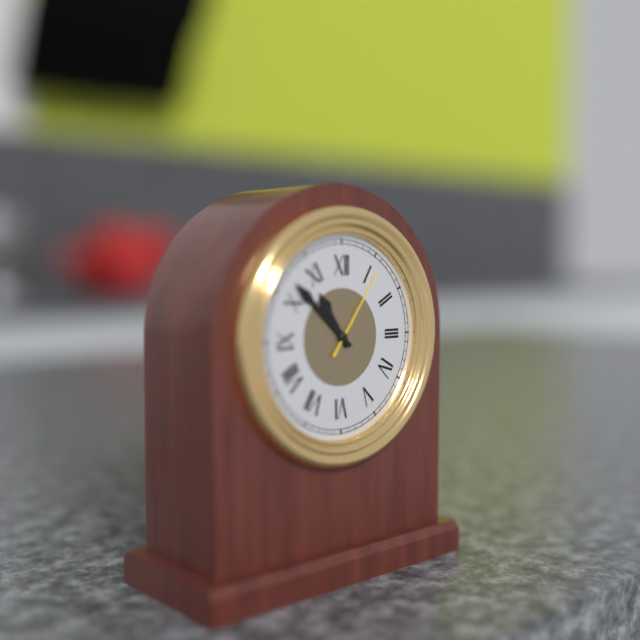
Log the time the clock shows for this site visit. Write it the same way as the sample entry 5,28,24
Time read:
10,52,06
